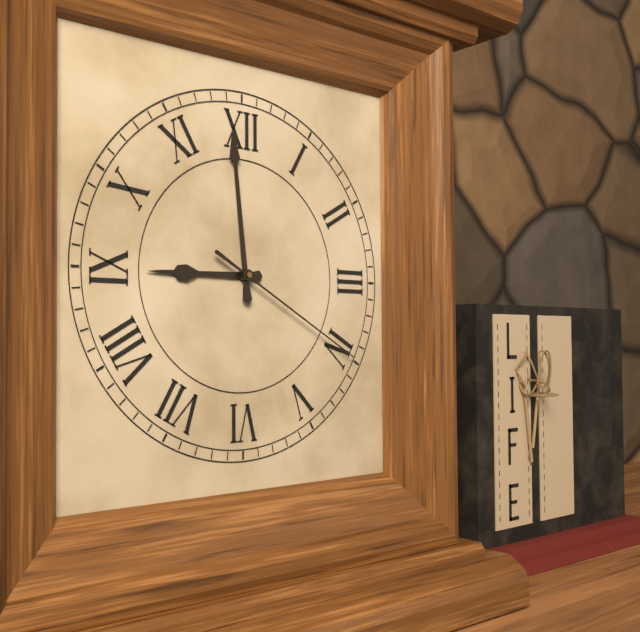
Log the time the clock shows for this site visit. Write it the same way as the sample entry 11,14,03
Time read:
8,59,20
